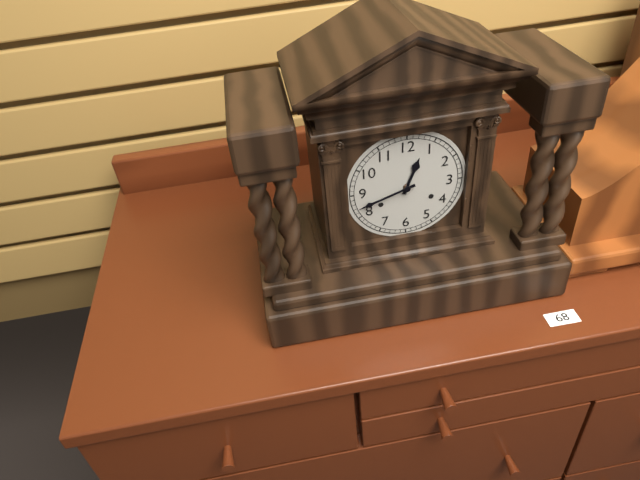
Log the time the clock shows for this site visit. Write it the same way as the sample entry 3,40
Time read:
12,42
